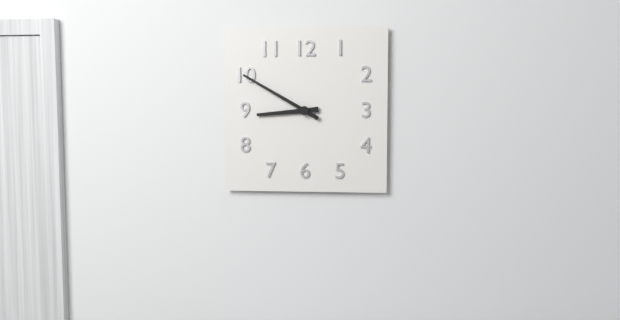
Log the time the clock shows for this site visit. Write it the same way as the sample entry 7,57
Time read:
8,50
